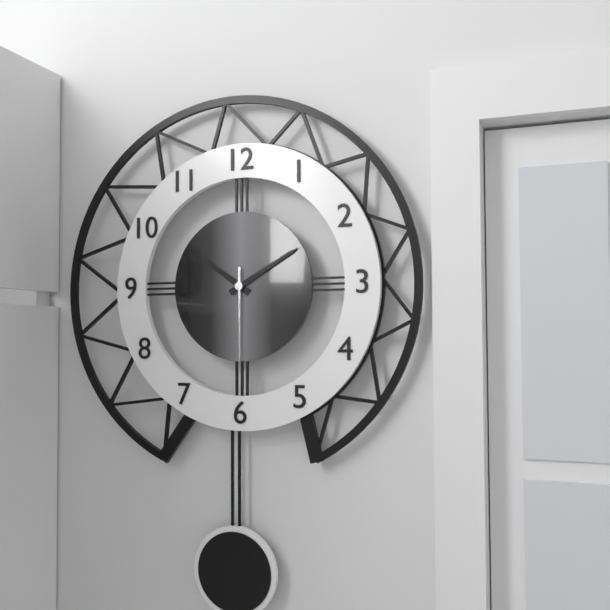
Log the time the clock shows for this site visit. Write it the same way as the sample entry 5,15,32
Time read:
10,10,30
